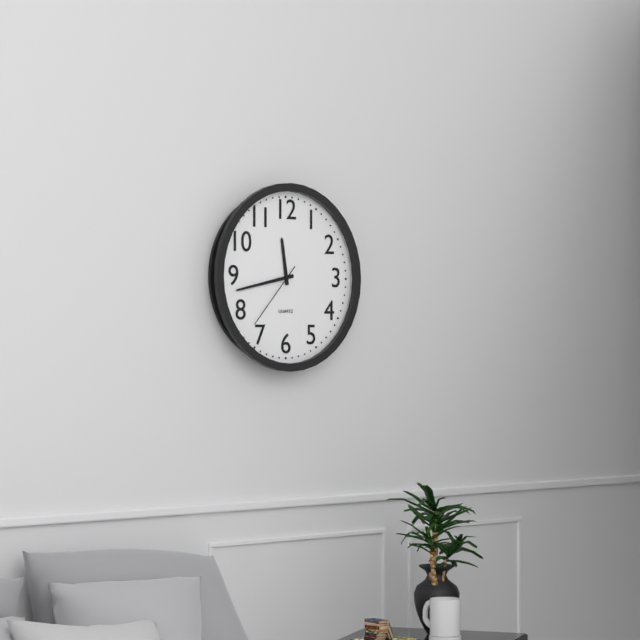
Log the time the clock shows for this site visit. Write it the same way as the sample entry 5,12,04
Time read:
11,43,37
